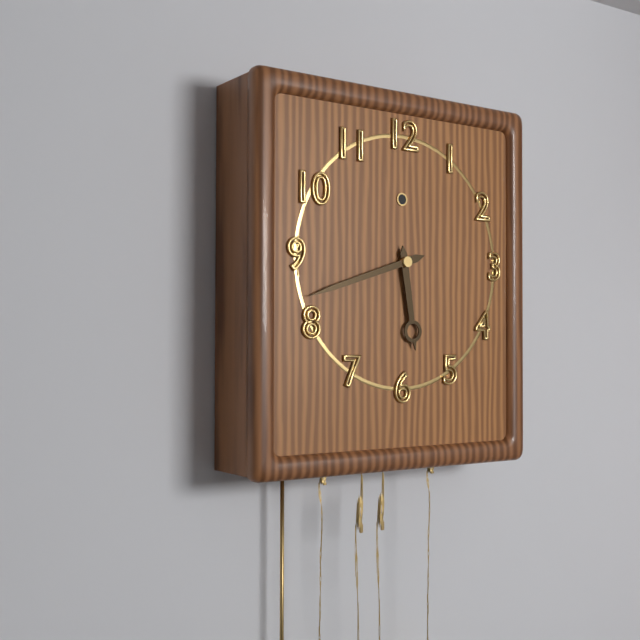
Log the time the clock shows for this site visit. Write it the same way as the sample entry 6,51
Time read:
5,42
